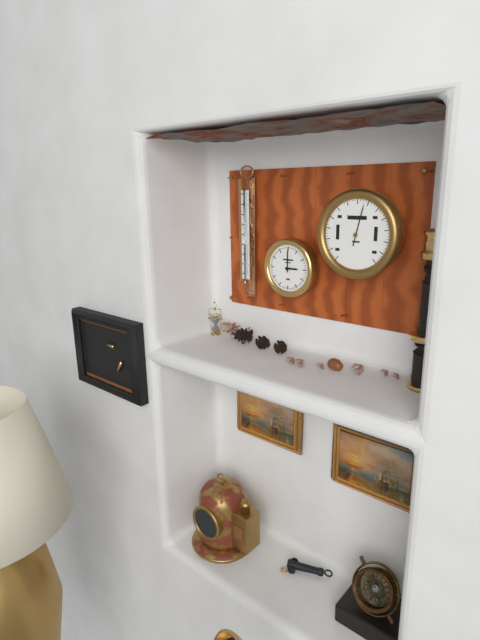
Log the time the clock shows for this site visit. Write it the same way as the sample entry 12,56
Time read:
3,00
